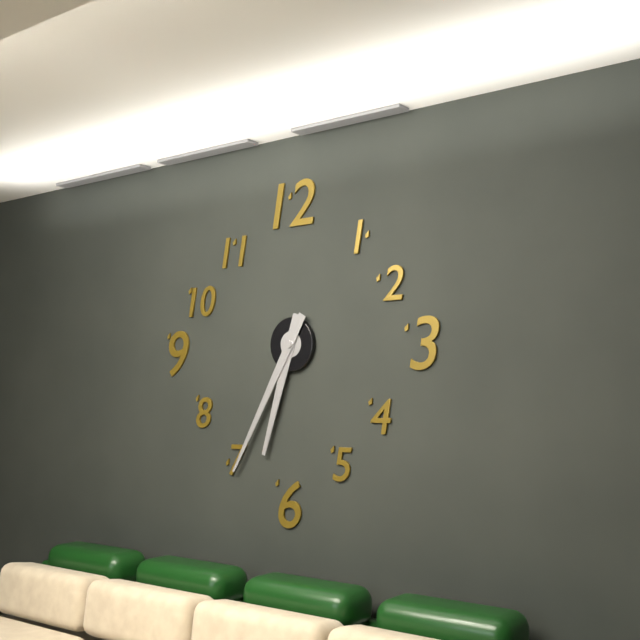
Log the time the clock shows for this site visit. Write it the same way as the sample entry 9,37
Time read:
6,35
